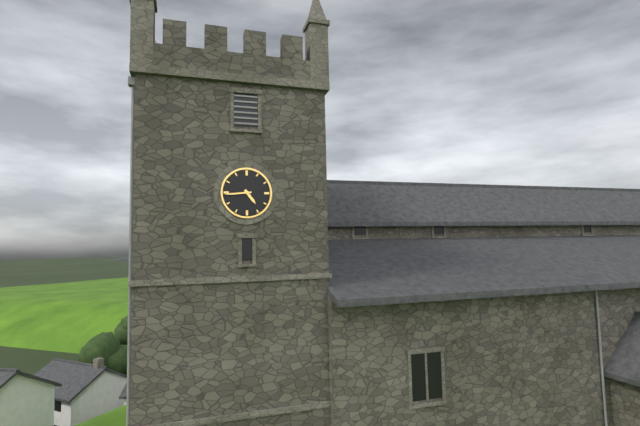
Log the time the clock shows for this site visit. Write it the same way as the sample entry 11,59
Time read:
4,44
